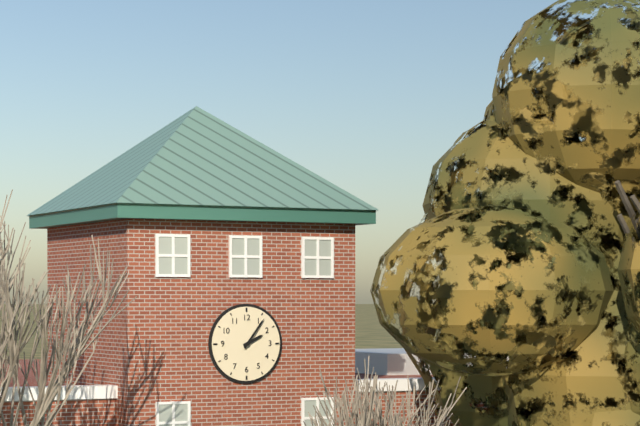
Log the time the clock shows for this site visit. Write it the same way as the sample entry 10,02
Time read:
2,06
